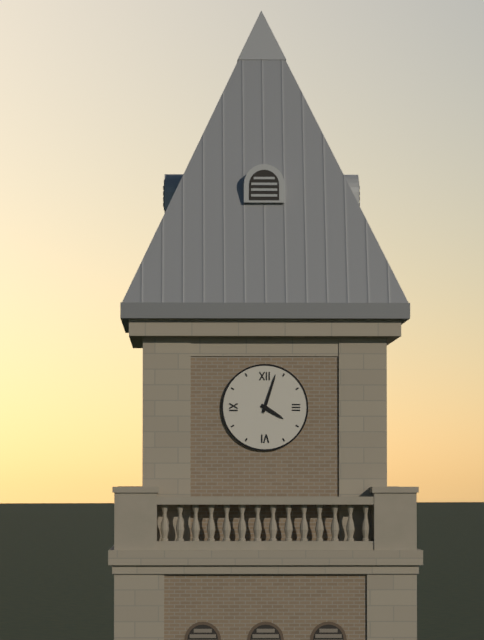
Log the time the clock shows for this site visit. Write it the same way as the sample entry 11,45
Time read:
4,03
